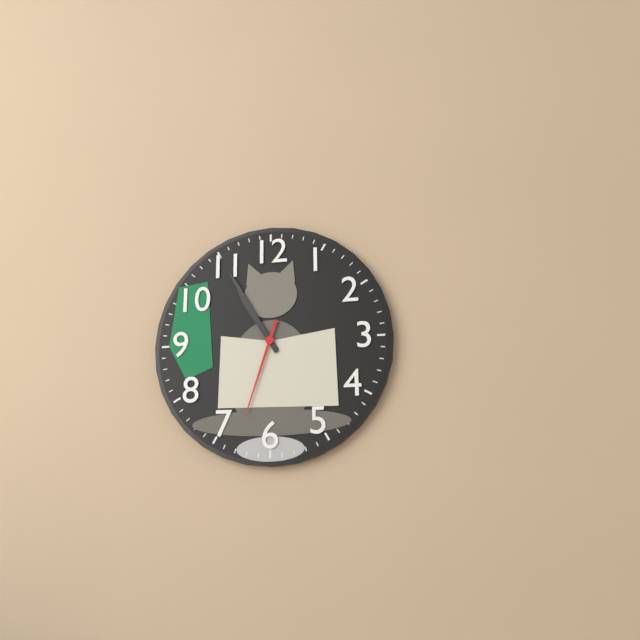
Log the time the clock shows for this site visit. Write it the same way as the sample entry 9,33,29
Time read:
10,55,33
